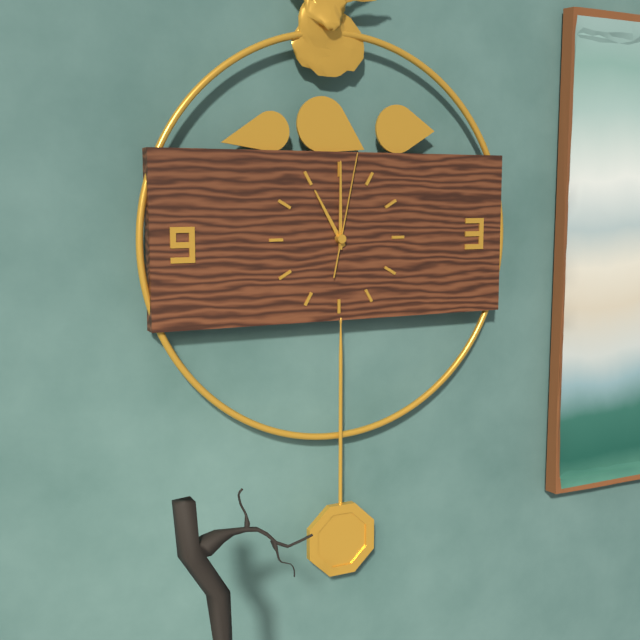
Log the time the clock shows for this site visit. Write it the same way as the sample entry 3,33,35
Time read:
11,00,02
